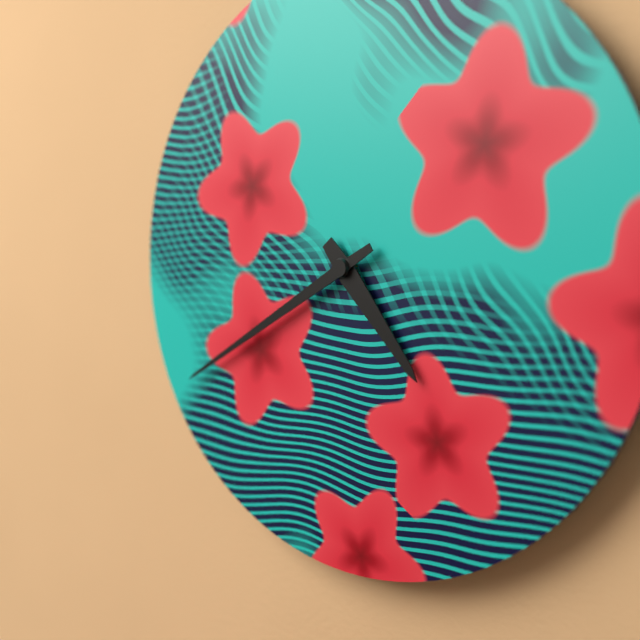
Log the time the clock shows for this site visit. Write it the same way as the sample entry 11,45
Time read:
4,40
